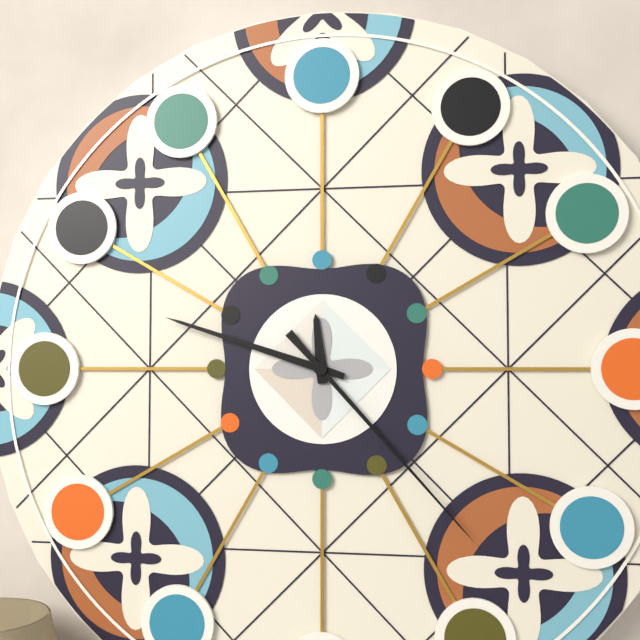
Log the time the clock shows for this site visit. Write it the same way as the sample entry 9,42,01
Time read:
11,48,23
